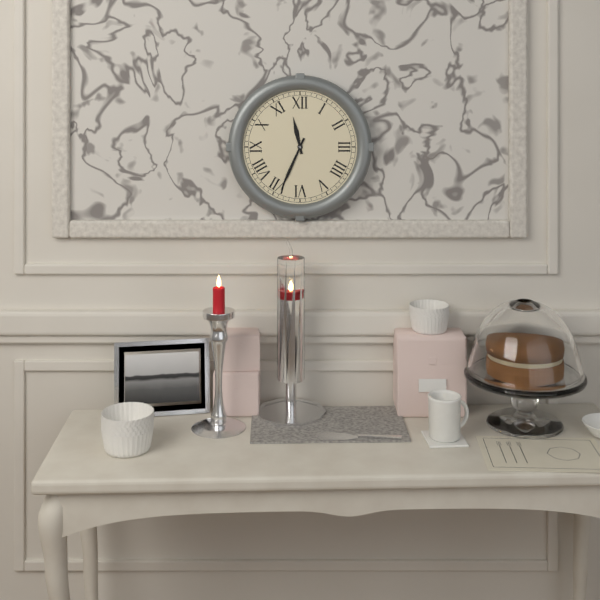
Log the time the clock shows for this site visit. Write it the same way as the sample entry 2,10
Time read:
11,34
